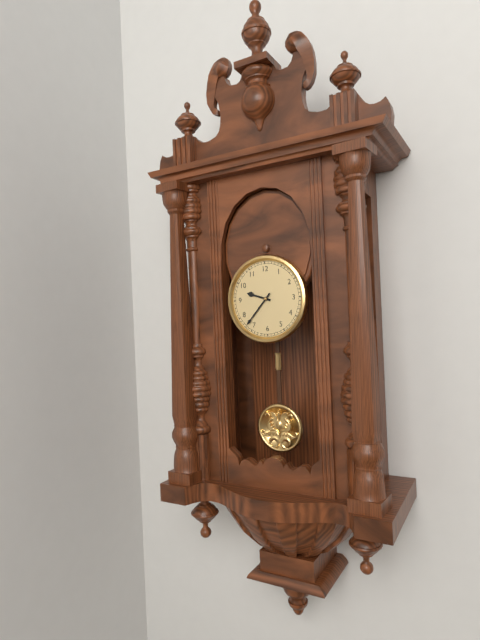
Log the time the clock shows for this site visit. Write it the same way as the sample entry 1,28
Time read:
9,37
